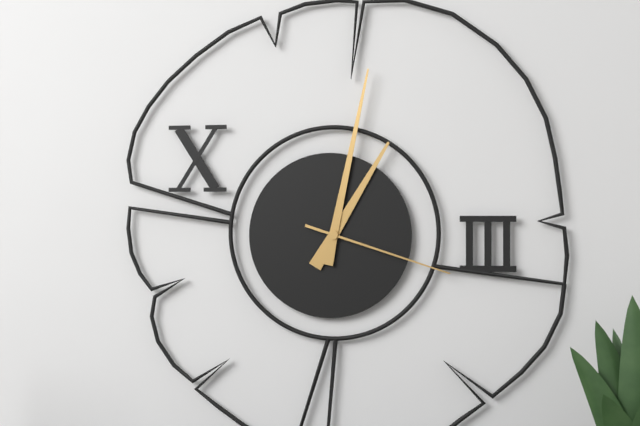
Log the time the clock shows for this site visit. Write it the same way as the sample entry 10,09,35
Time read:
1,02,18
